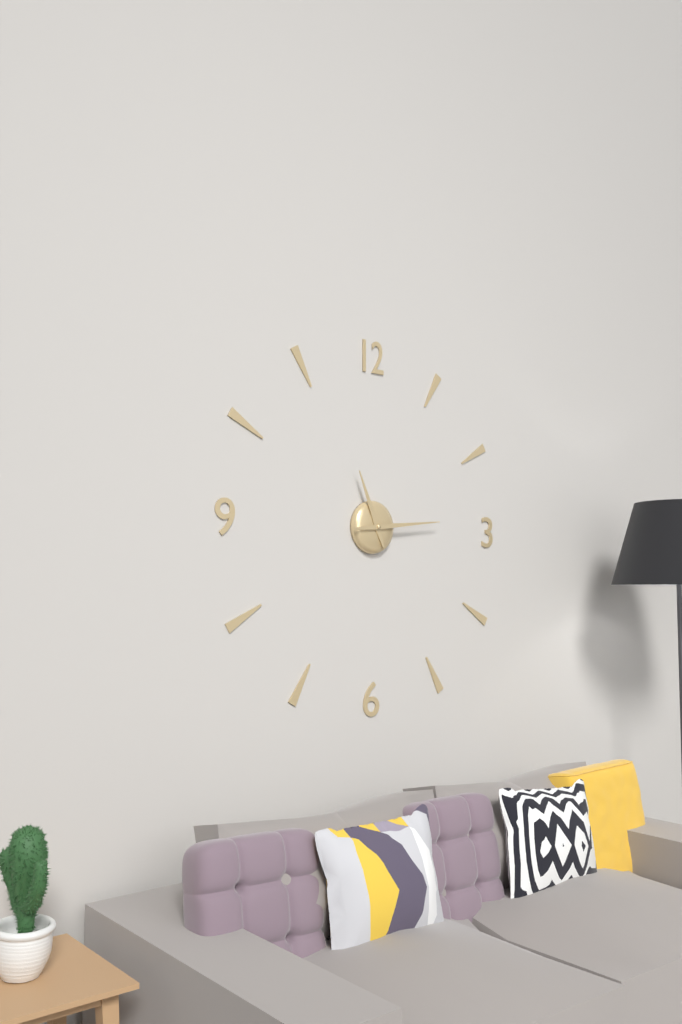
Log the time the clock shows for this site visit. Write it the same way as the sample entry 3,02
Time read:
11,14
